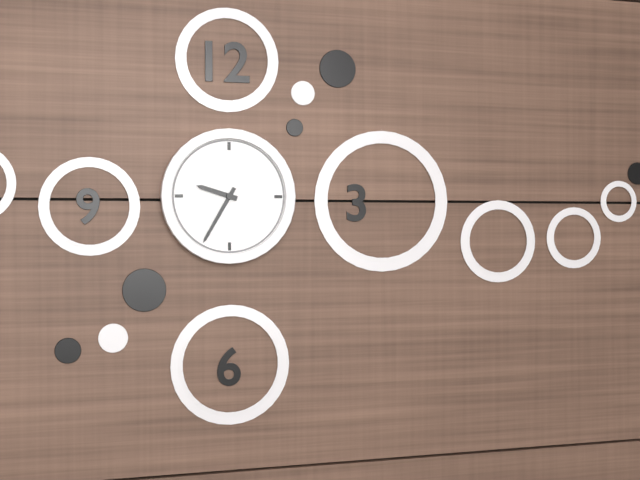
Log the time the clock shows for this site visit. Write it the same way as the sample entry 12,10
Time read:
9,35
